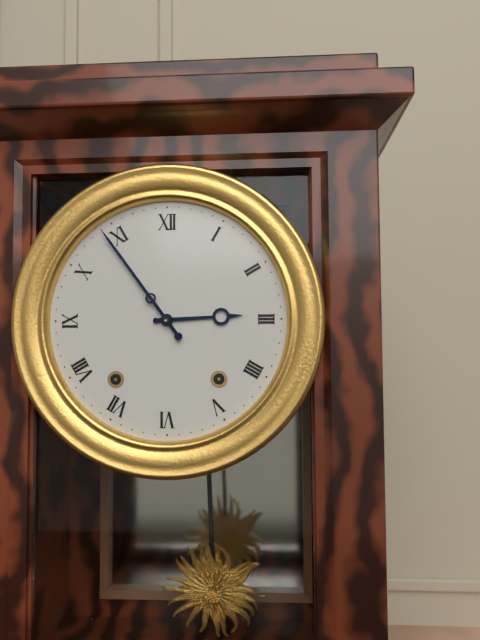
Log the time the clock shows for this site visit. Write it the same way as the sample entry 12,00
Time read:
2,54
